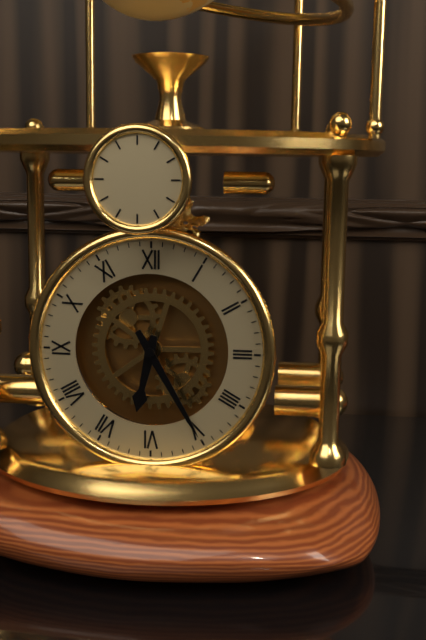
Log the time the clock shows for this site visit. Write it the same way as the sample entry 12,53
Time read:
6,25
